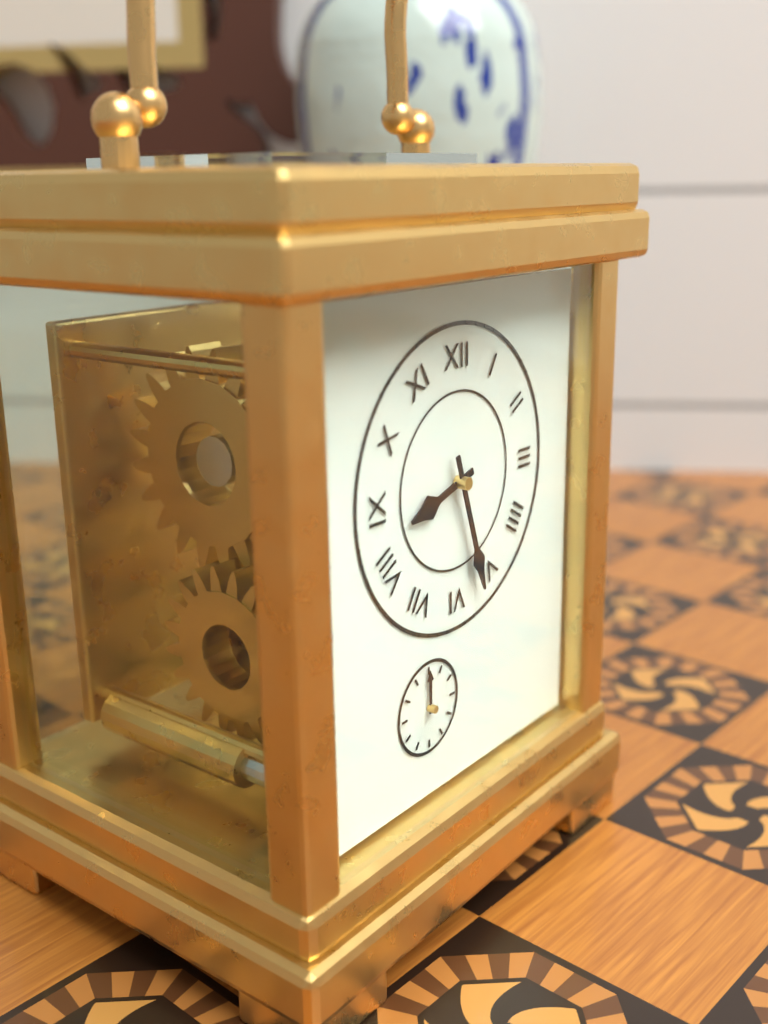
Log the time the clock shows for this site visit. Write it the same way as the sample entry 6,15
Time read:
8,27
